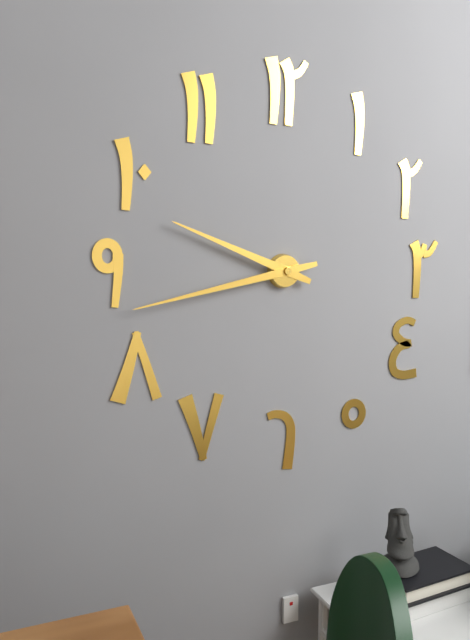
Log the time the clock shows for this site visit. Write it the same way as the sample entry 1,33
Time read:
9,43
